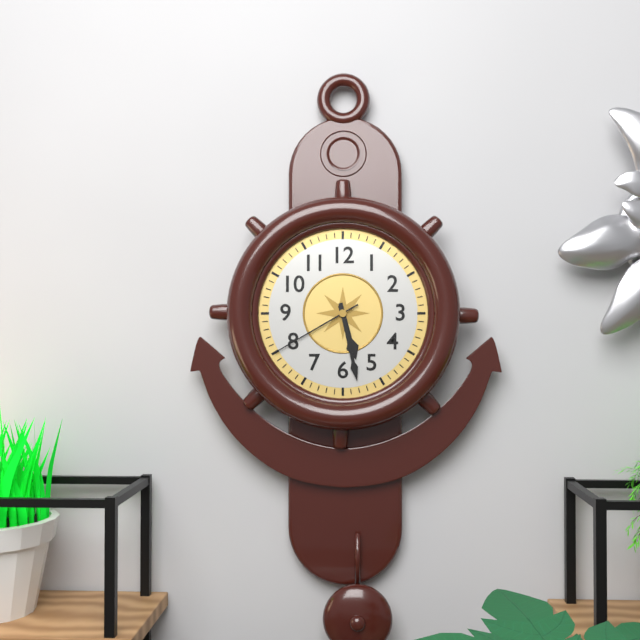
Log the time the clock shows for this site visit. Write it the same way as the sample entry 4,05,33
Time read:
5,28,40
